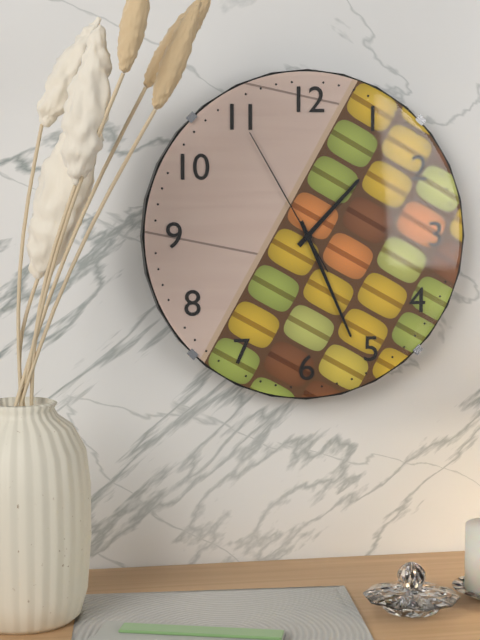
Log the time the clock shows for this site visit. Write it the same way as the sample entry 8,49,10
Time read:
1,26,55
